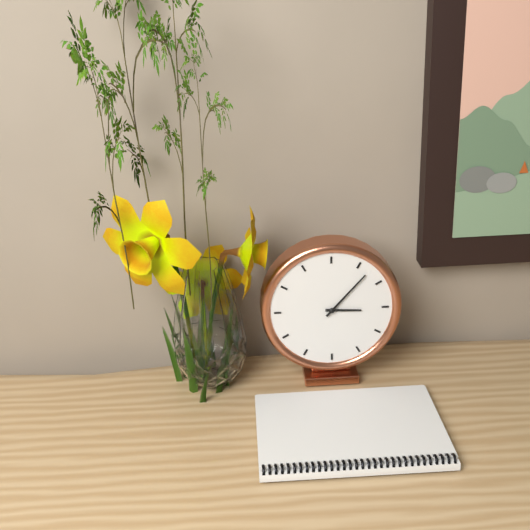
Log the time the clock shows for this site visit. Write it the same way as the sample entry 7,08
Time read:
3,07
